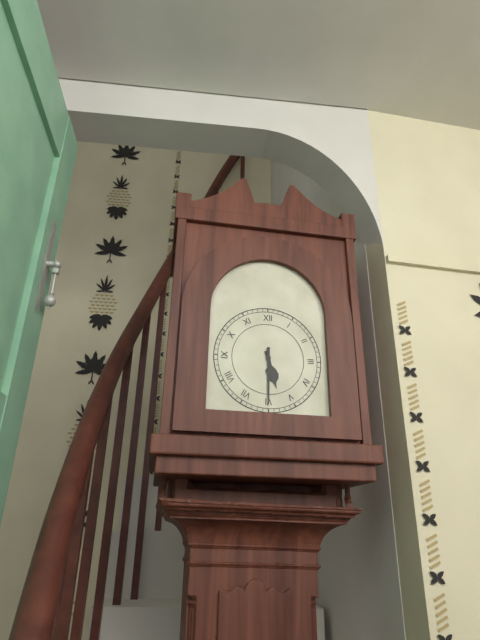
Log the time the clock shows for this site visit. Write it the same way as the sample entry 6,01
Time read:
5,30
